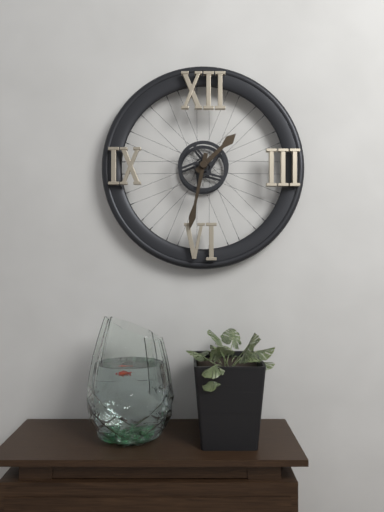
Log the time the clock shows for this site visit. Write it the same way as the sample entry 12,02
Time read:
1,32
